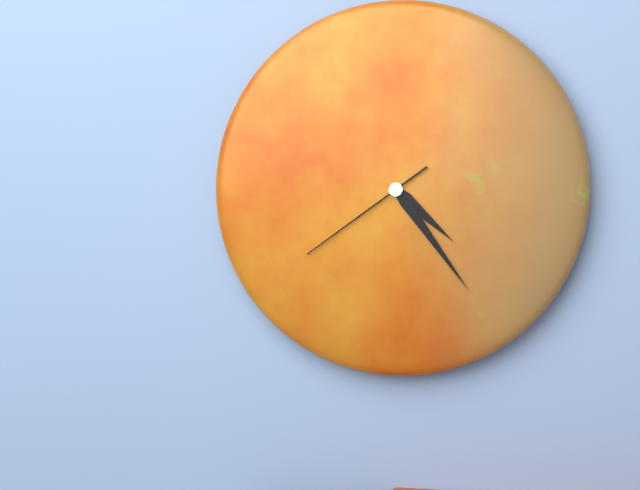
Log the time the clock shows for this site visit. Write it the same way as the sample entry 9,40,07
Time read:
4,24,39
